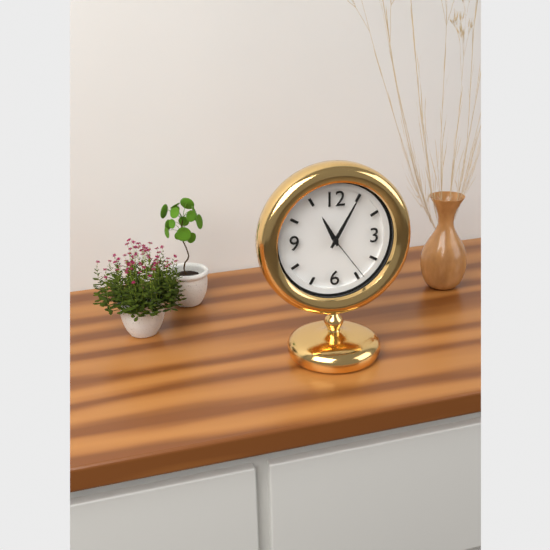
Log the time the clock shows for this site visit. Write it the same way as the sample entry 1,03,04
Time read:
11,05,24
